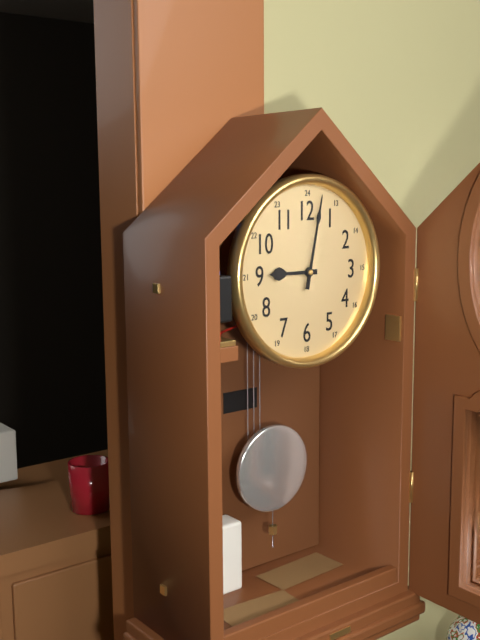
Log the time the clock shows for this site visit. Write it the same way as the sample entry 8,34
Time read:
9,02
